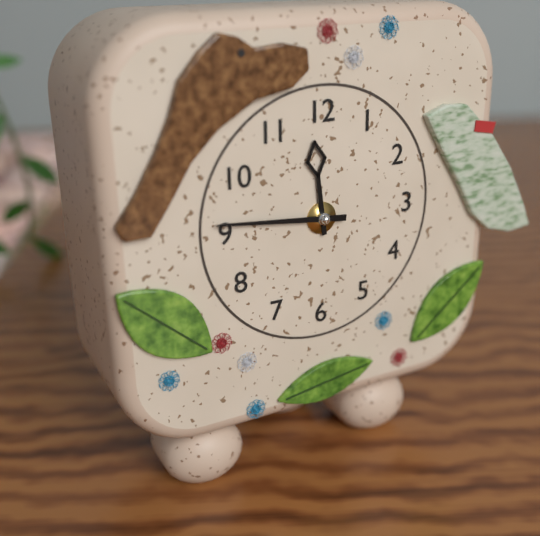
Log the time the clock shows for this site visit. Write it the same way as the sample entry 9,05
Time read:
11,46
